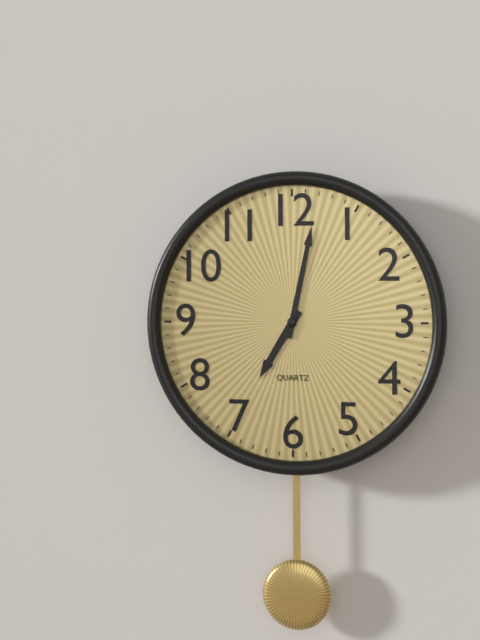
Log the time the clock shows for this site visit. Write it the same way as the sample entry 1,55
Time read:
7,02
